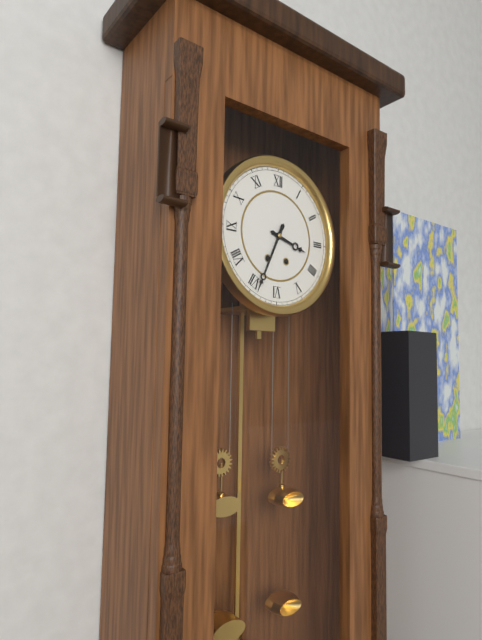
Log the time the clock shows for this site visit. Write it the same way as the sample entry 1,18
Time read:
3,34
